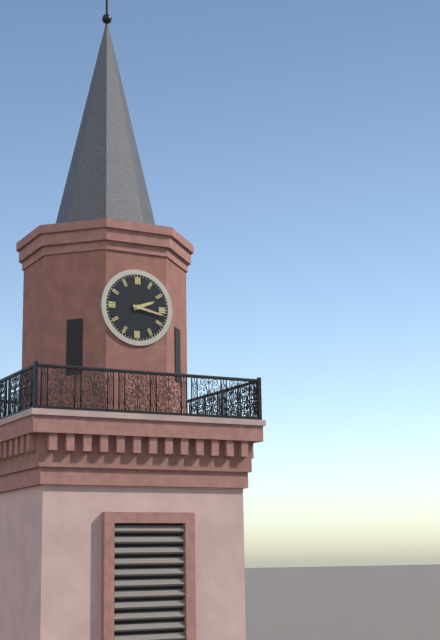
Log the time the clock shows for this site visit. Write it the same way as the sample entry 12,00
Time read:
2,17
